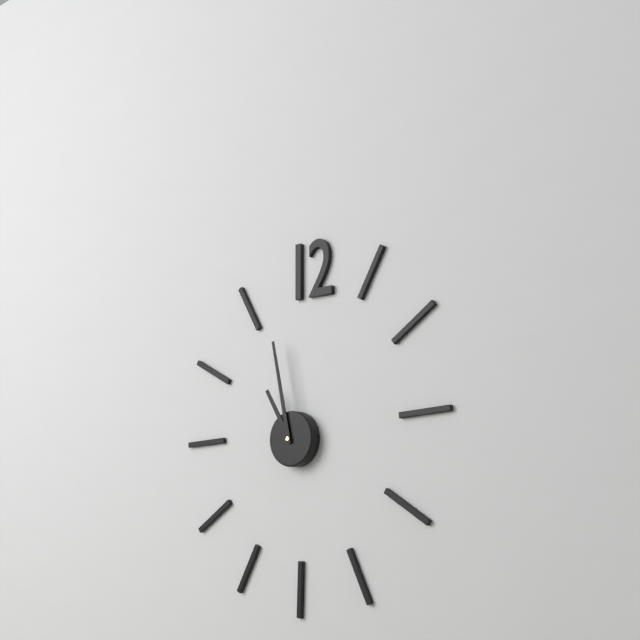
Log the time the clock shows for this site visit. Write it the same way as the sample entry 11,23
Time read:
10,58
